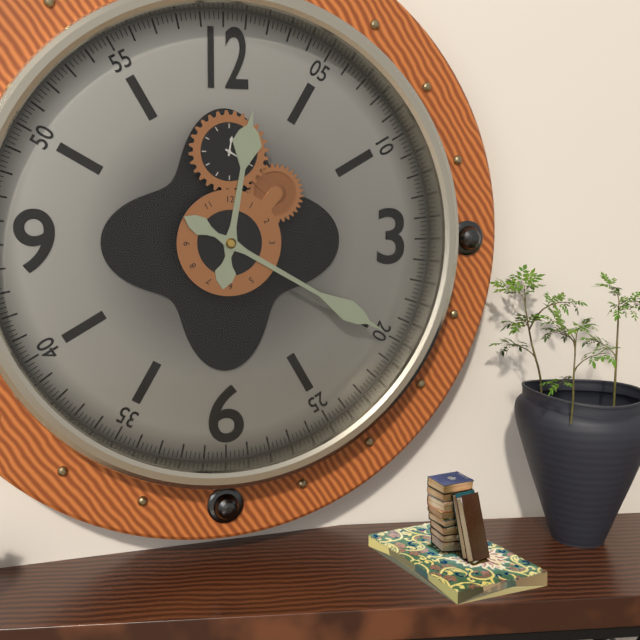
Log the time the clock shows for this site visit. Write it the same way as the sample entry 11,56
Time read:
12,20
